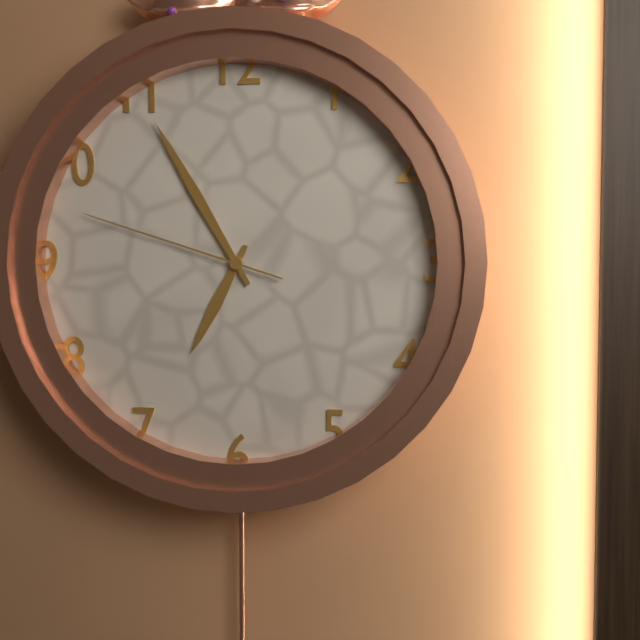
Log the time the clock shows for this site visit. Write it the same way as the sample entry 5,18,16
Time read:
6,55,48
